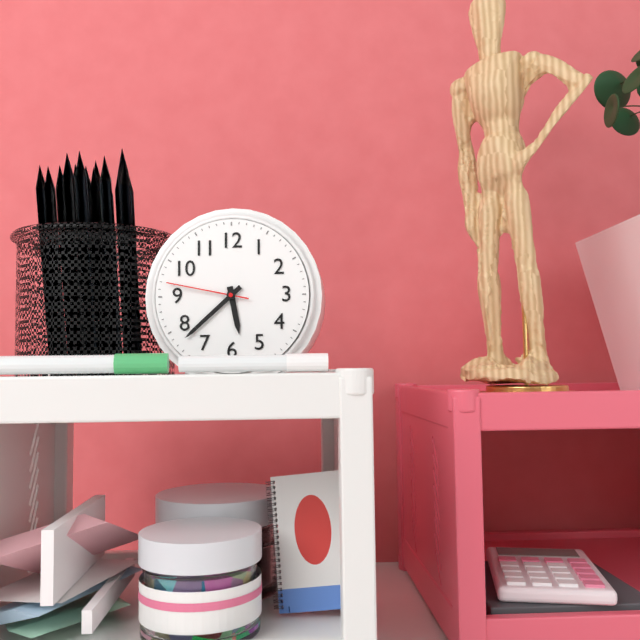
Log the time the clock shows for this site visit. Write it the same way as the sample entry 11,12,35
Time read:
5,38,47
